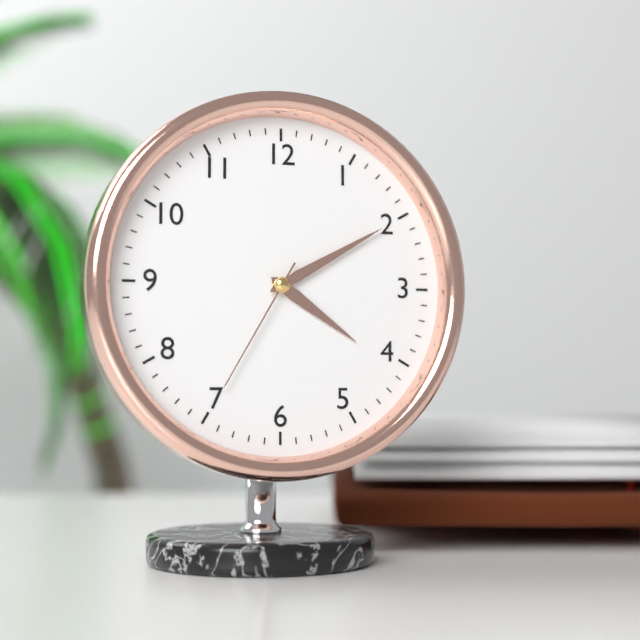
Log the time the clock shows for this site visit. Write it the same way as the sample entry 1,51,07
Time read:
4,10,35
